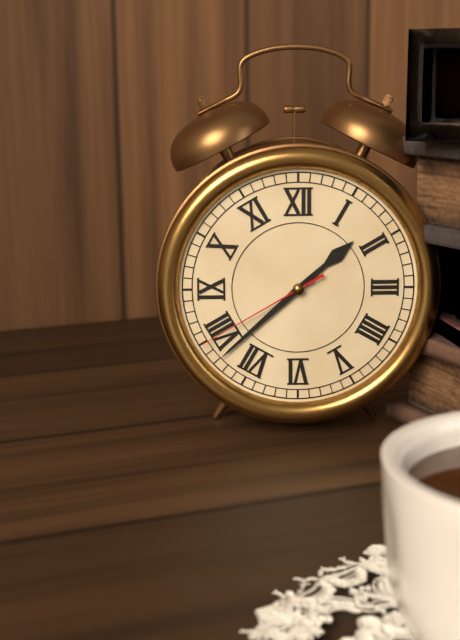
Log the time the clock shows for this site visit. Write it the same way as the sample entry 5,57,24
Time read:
1,38,40
